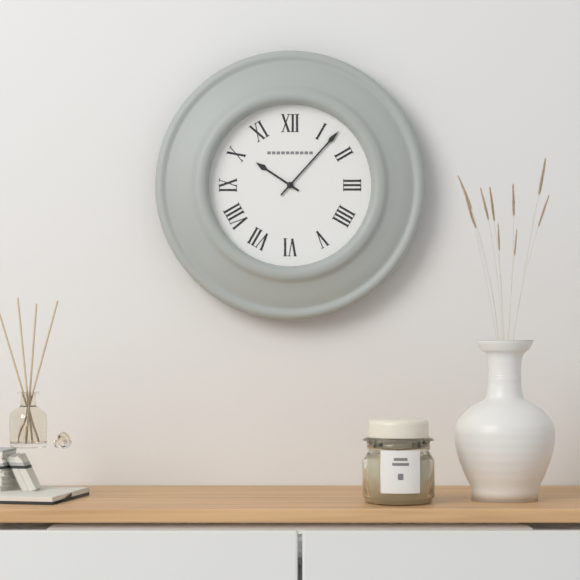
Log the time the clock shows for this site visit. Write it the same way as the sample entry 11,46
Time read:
10,07
